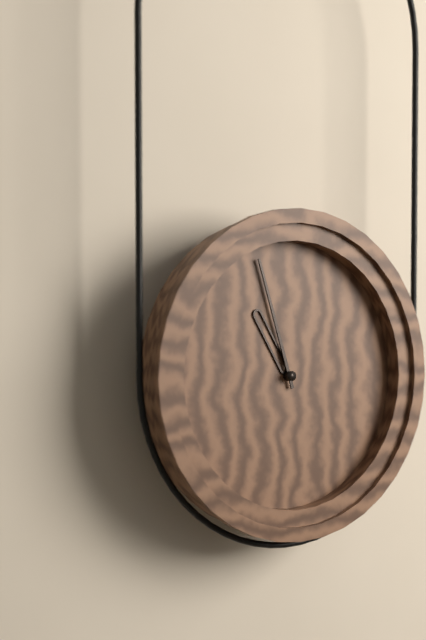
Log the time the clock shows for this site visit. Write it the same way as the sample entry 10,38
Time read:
10,57
